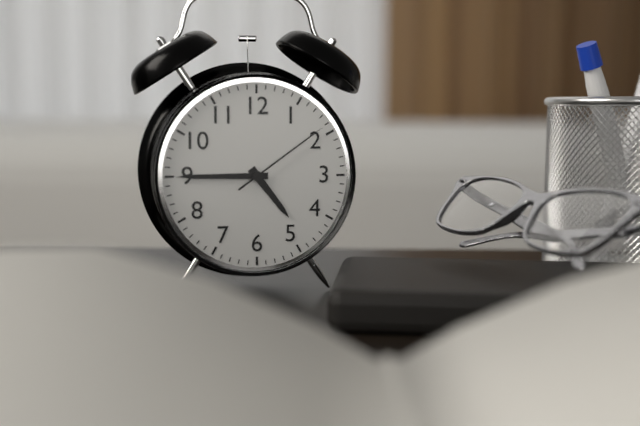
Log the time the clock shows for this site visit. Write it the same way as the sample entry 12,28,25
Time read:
4,45,09
